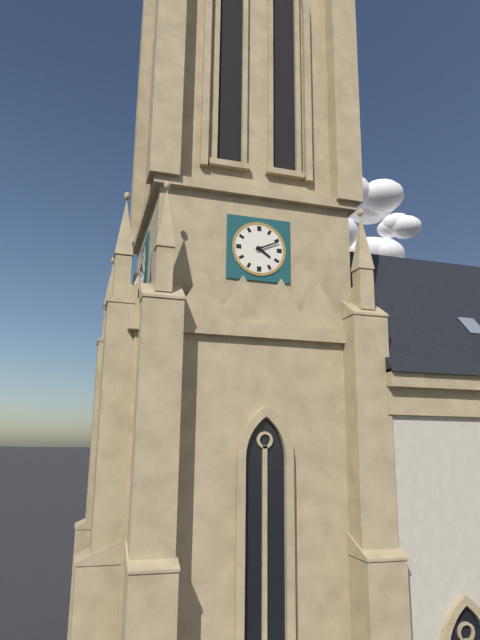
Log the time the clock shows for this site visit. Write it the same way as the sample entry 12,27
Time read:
4,11
